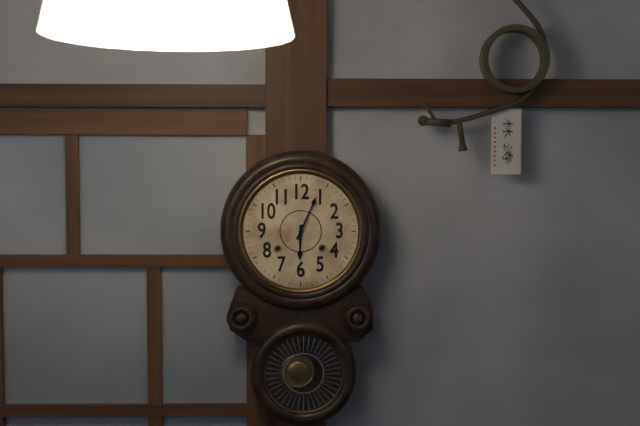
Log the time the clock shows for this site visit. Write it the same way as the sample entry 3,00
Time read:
6,04
